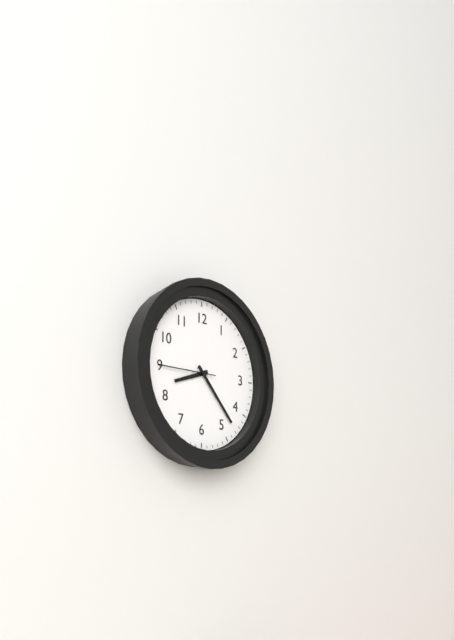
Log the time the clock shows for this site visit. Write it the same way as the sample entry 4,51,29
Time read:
8,23,45
